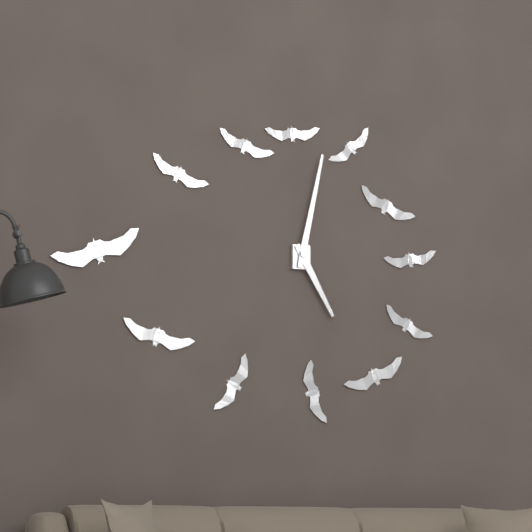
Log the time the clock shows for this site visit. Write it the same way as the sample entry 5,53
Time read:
5,02
